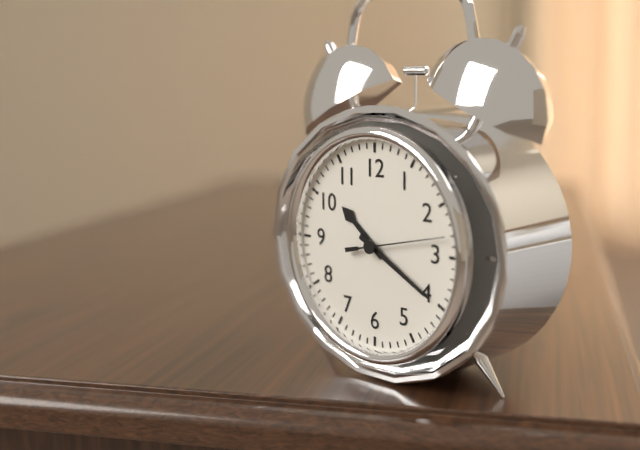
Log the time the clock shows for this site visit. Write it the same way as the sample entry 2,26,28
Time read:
10,20,13
